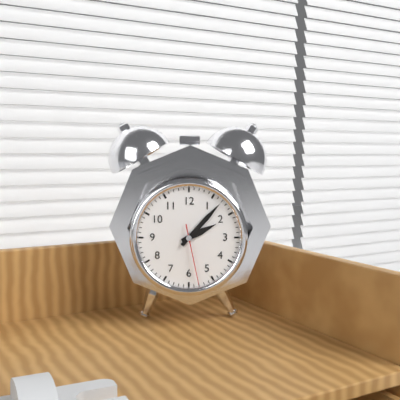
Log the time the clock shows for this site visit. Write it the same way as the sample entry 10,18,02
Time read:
2,07,28
